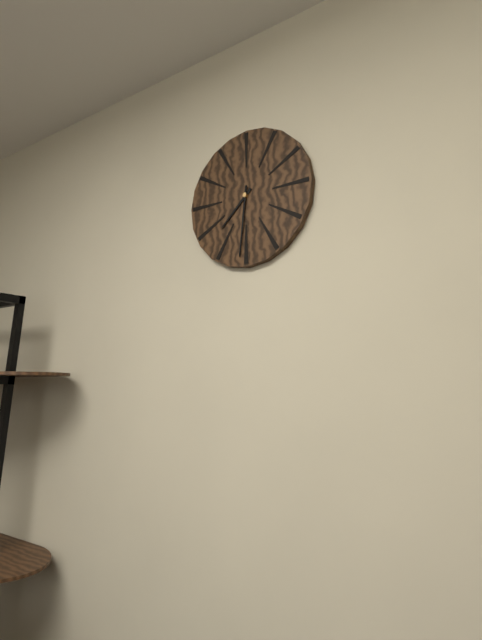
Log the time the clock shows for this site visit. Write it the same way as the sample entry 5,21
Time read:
7,31
